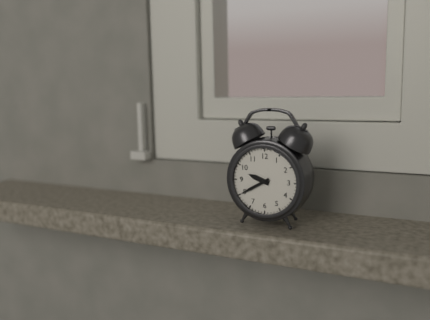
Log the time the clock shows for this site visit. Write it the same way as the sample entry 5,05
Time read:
9,40
